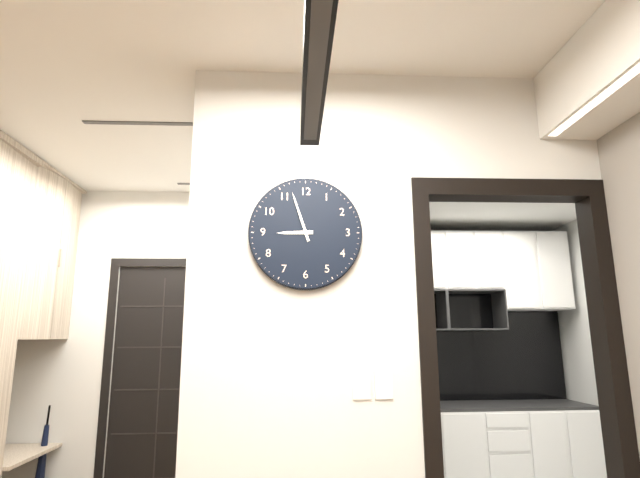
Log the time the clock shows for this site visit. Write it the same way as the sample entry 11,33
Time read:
8,57
